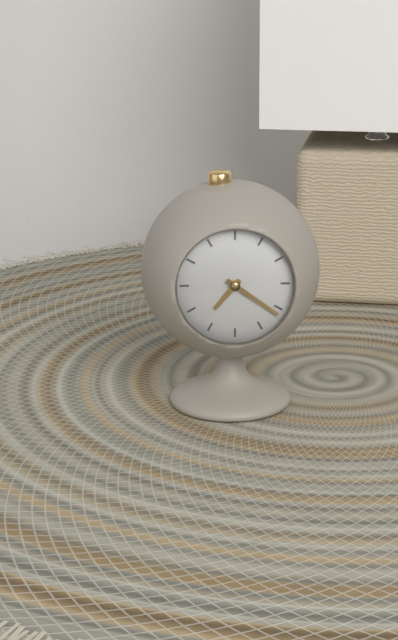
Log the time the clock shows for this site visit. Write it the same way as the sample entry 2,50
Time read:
7,21
